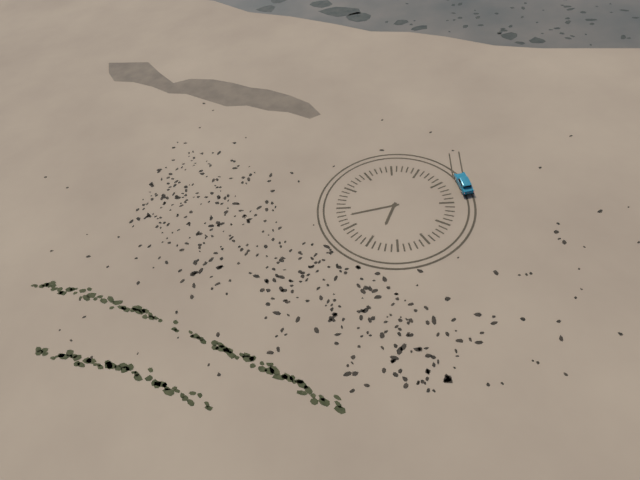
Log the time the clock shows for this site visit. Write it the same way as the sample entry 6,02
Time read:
6,43
